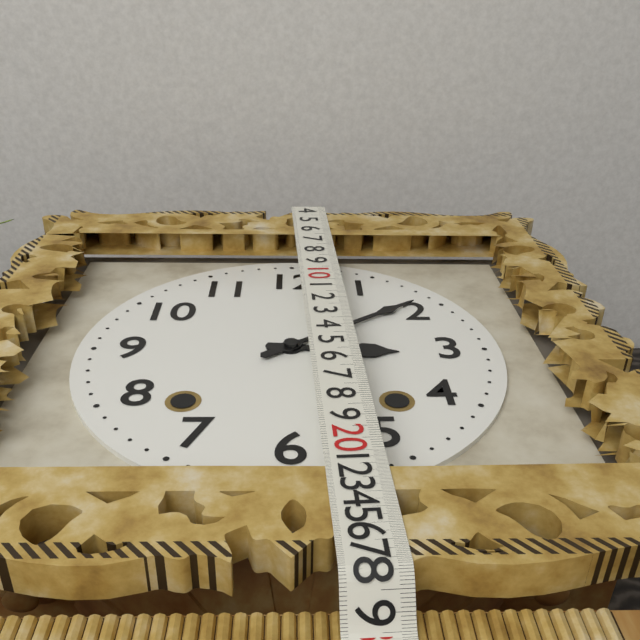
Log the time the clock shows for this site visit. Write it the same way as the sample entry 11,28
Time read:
3,09
